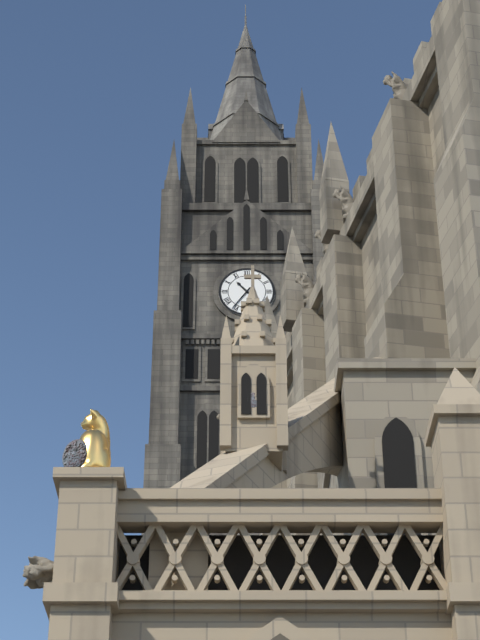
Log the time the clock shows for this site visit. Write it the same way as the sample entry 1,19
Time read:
10,36
